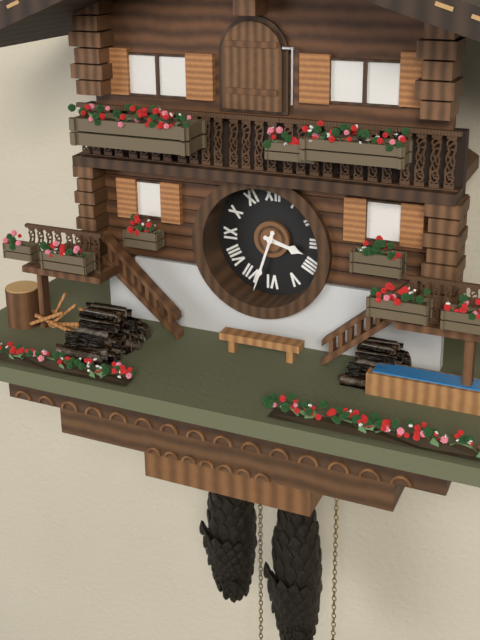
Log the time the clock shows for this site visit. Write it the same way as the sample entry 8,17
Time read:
3,33
